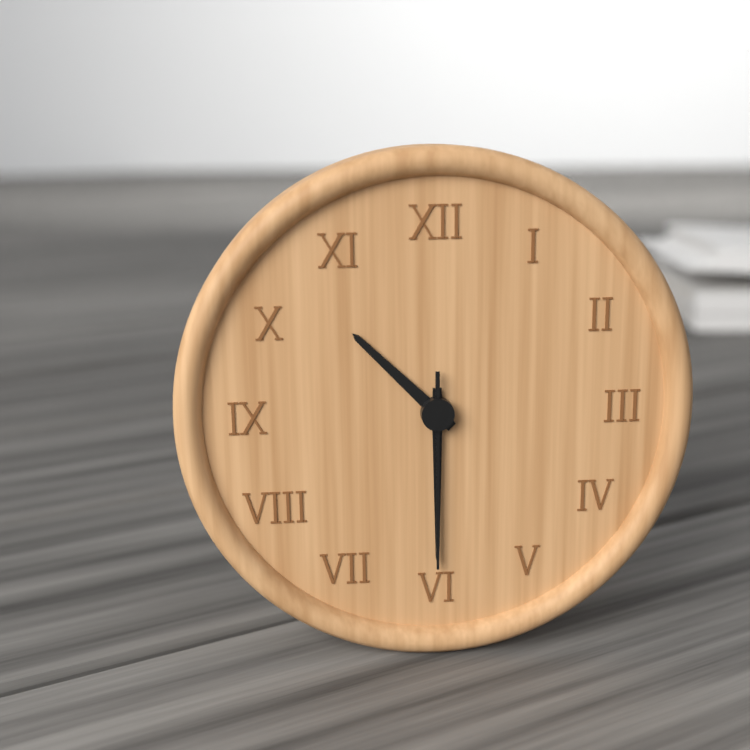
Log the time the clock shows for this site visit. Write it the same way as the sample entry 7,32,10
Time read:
10,30,30
